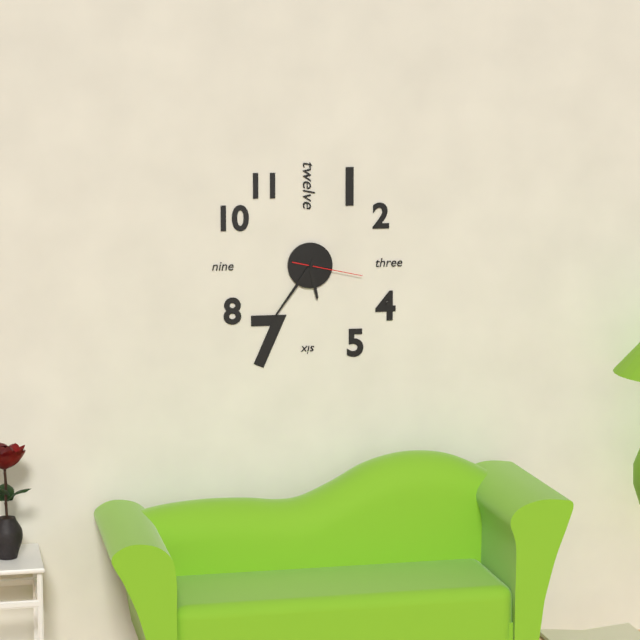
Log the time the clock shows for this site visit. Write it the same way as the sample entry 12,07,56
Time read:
5,36,17
